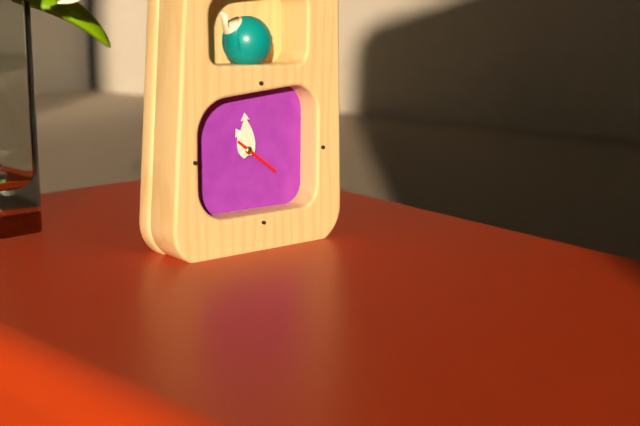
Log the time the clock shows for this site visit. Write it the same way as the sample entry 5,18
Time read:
10,59
